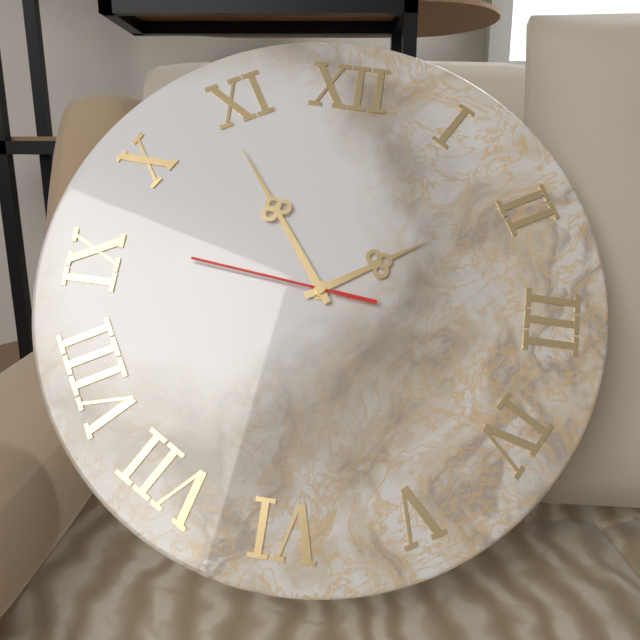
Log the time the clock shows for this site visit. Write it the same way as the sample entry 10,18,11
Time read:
1,54,46
